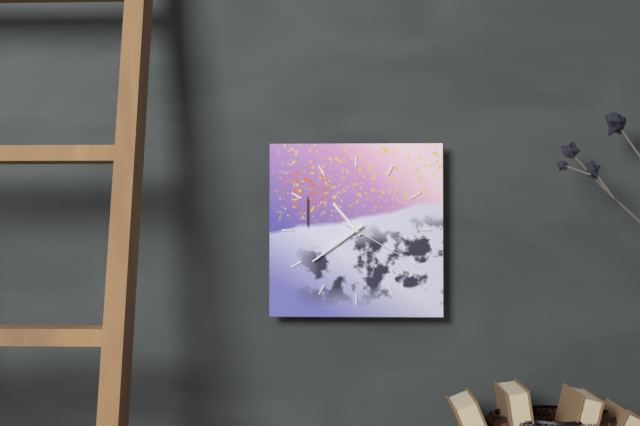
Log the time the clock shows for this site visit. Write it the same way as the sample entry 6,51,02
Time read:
10,39,20
